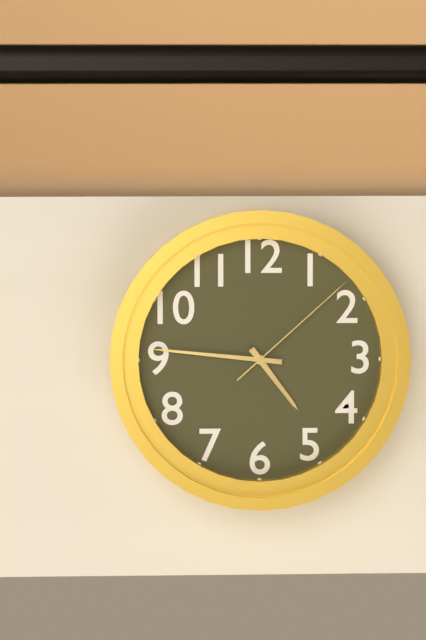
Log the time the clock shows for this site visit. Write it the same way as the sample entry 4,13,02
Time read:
4,46,08
